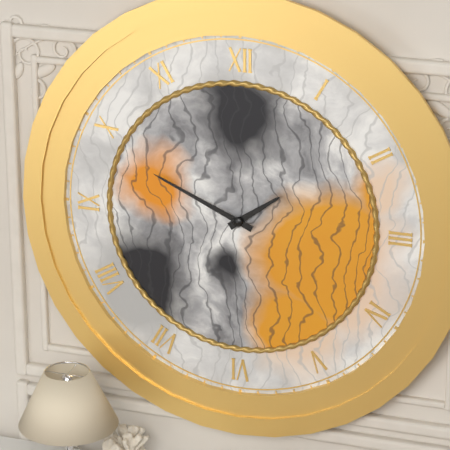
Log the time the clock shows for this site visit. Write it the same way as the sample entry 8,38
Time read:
1,49
